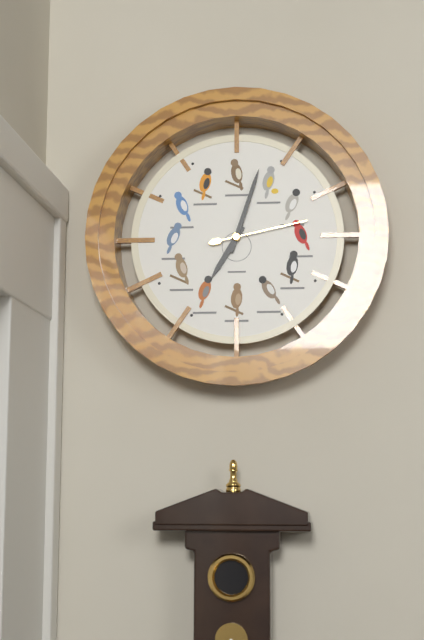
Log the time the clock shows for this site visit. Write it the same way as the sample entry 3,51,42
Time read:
7,03,13
